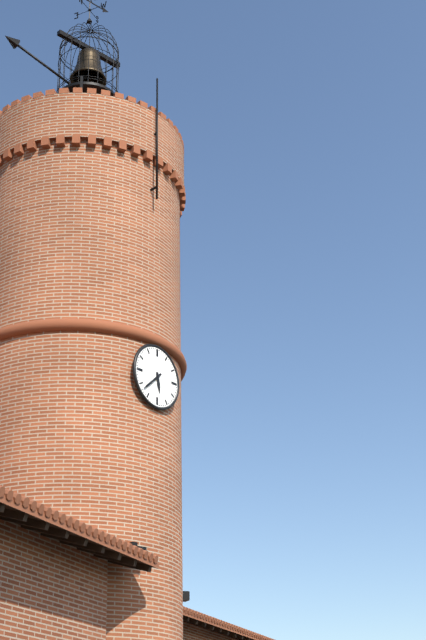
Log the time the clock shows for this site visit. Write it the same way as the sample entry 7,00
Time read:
5,38
